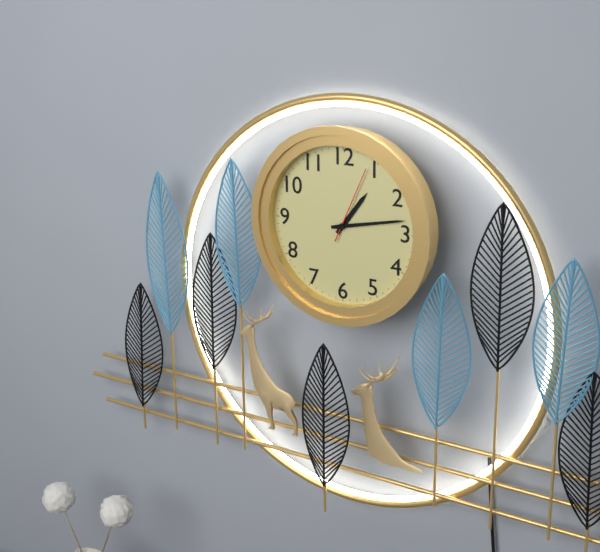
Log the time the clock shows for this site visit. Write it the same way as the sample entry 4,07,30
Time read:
1,13,04
